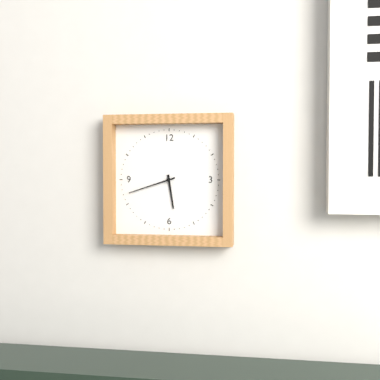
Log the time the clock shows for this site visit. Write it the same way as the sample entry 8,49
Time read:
5,42
